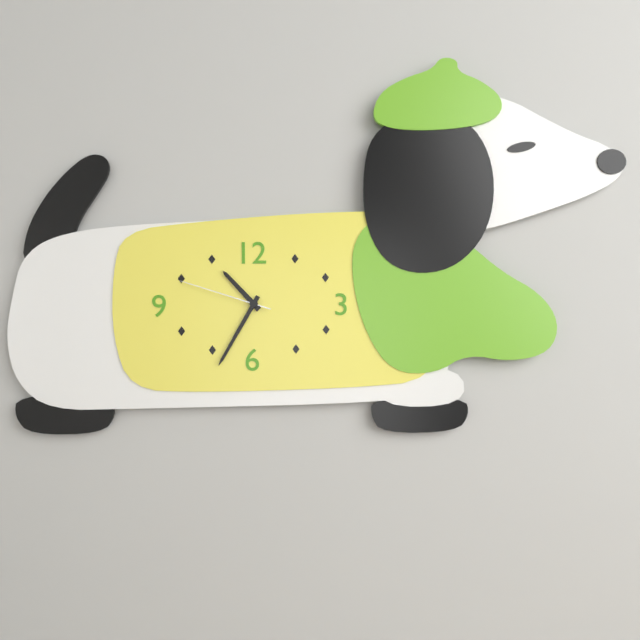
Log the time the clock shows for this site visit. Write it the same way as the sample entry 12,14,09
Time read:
10,35,48
